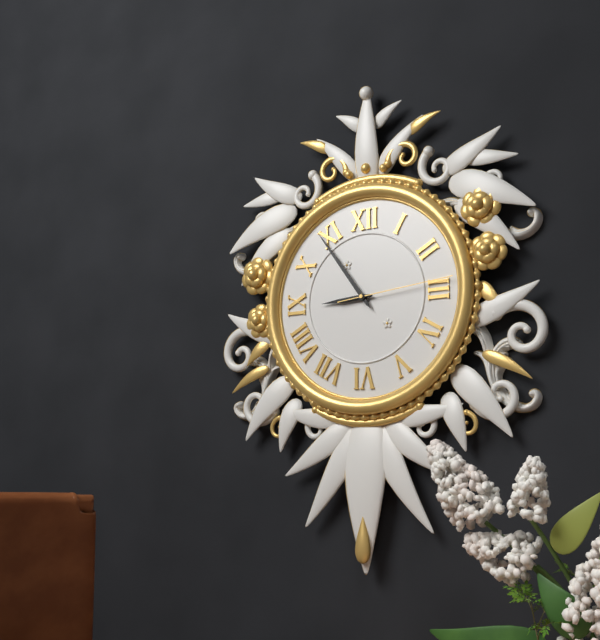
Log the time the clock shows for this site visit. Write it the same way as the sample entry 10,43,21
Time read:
8,54,14
